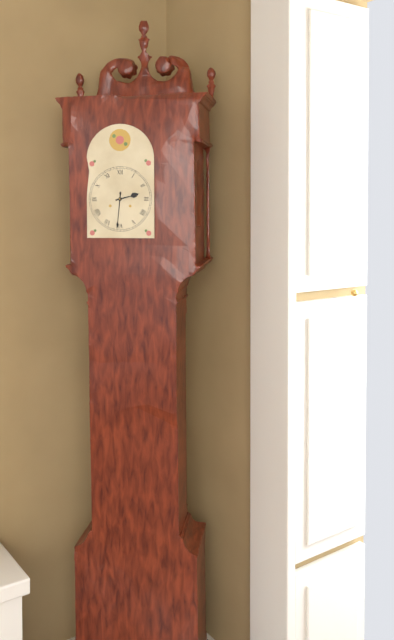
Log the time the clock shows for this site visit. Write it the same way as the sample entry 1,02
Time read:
2,31
